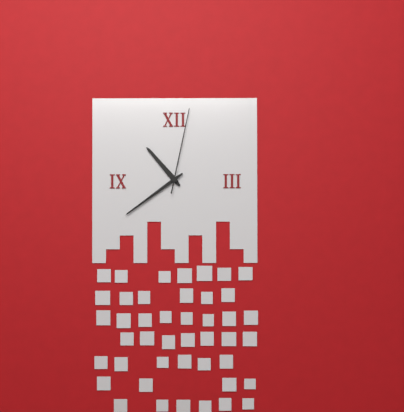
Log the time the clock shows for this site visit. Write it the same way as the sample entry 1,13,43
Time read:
10,39,02
